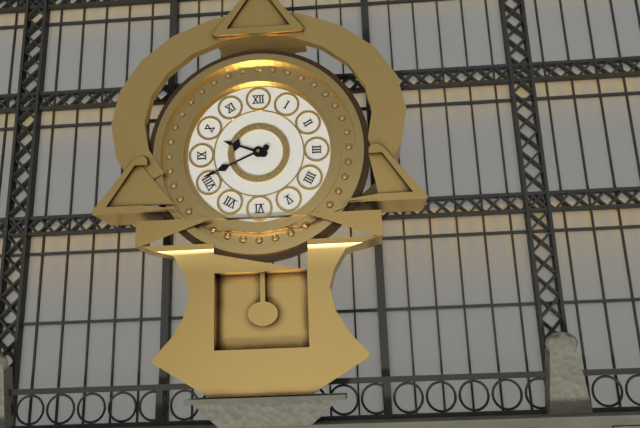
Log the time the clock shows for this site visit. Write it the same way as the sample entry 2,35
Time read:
9,41
